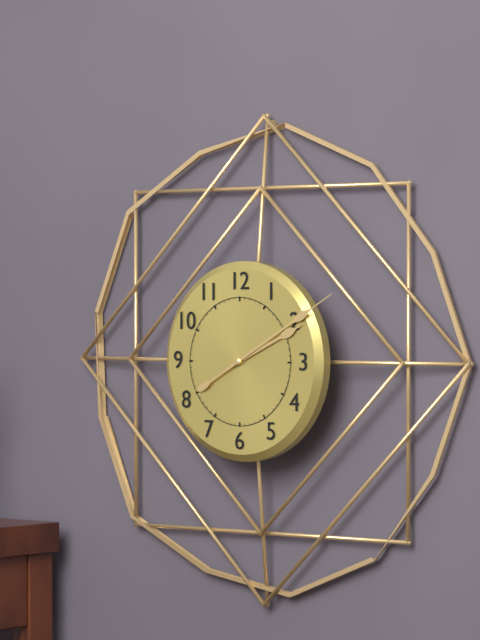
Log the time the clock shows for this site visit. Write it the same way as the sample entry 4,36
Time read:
2,10
